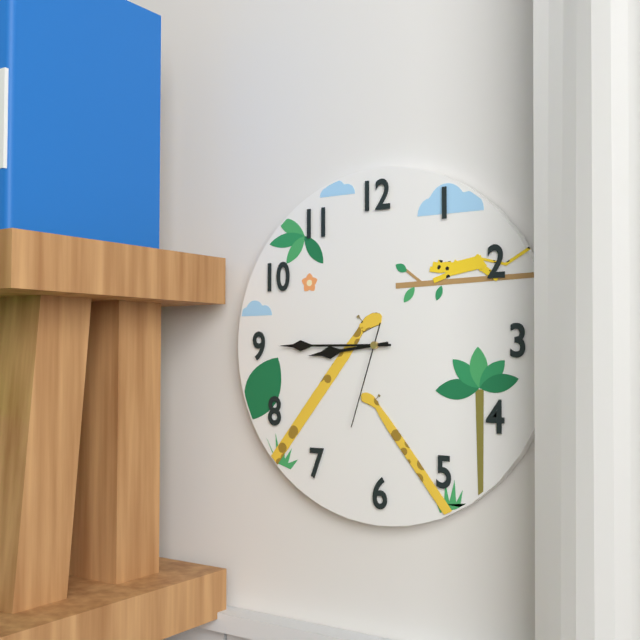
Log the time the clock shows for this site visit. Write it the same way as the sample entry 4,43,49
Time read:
8,45,33
